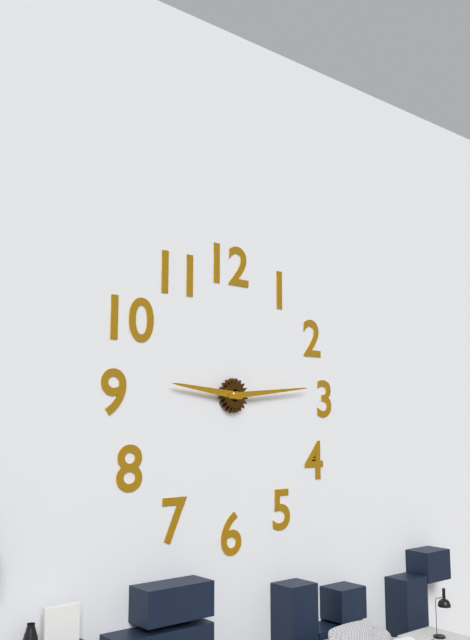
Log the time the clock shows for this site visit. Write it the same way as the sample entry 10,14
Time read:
9,14
